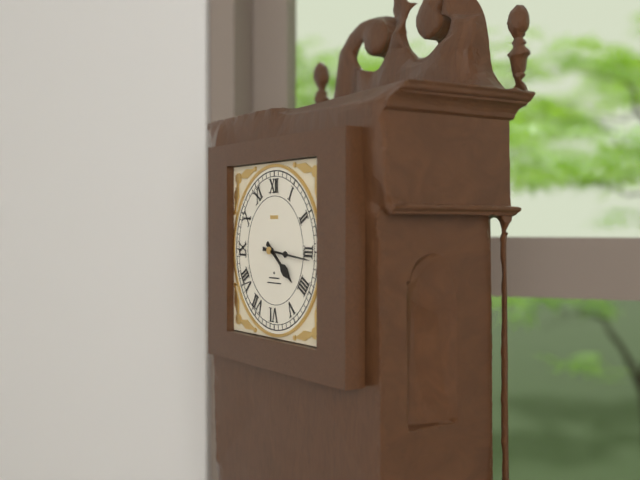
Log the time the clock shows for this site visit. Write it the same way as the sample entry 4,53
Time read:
4,16
